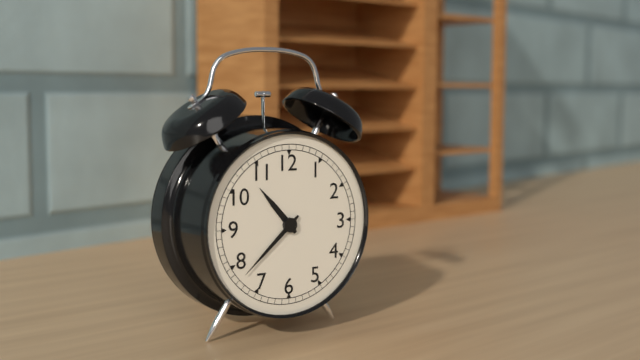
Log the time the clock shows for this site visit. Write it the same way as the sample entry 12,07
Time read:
10,38
